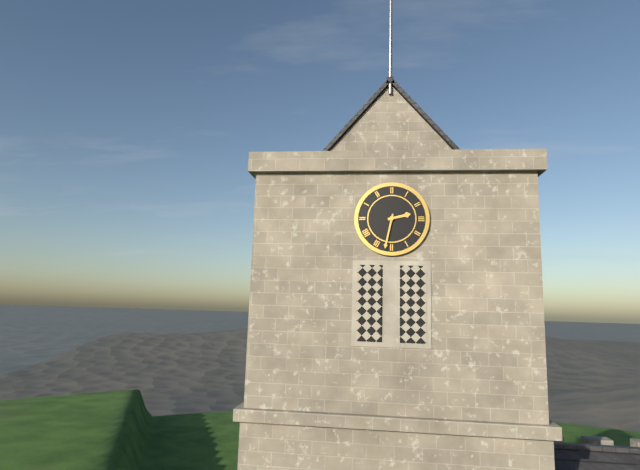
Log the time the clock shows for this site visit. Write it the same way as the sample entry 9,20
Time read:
2,32
